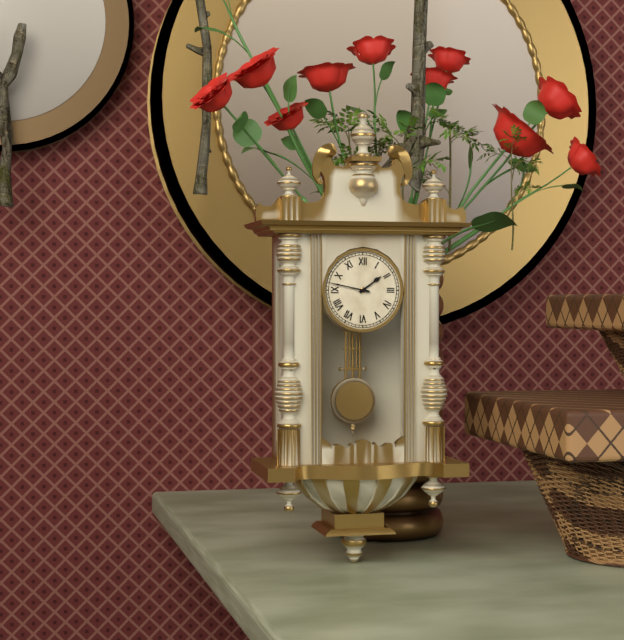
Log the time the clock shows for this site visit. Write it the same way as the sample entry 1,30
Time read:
1,47
